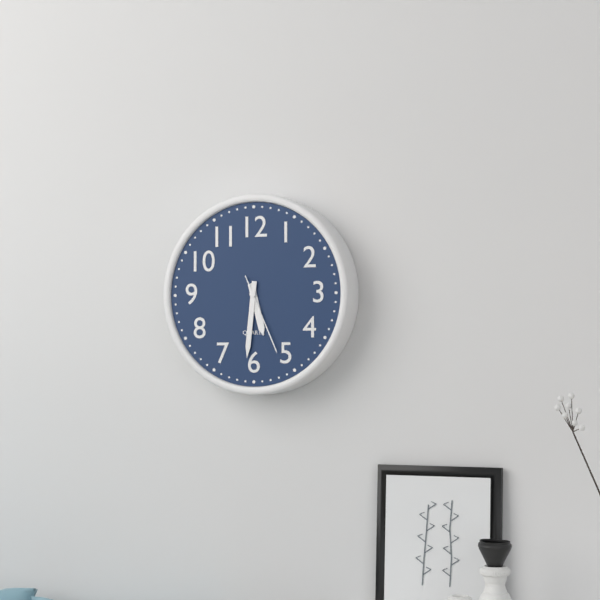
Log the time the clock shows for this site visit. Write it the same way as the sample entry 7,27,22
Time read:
5,31,26
